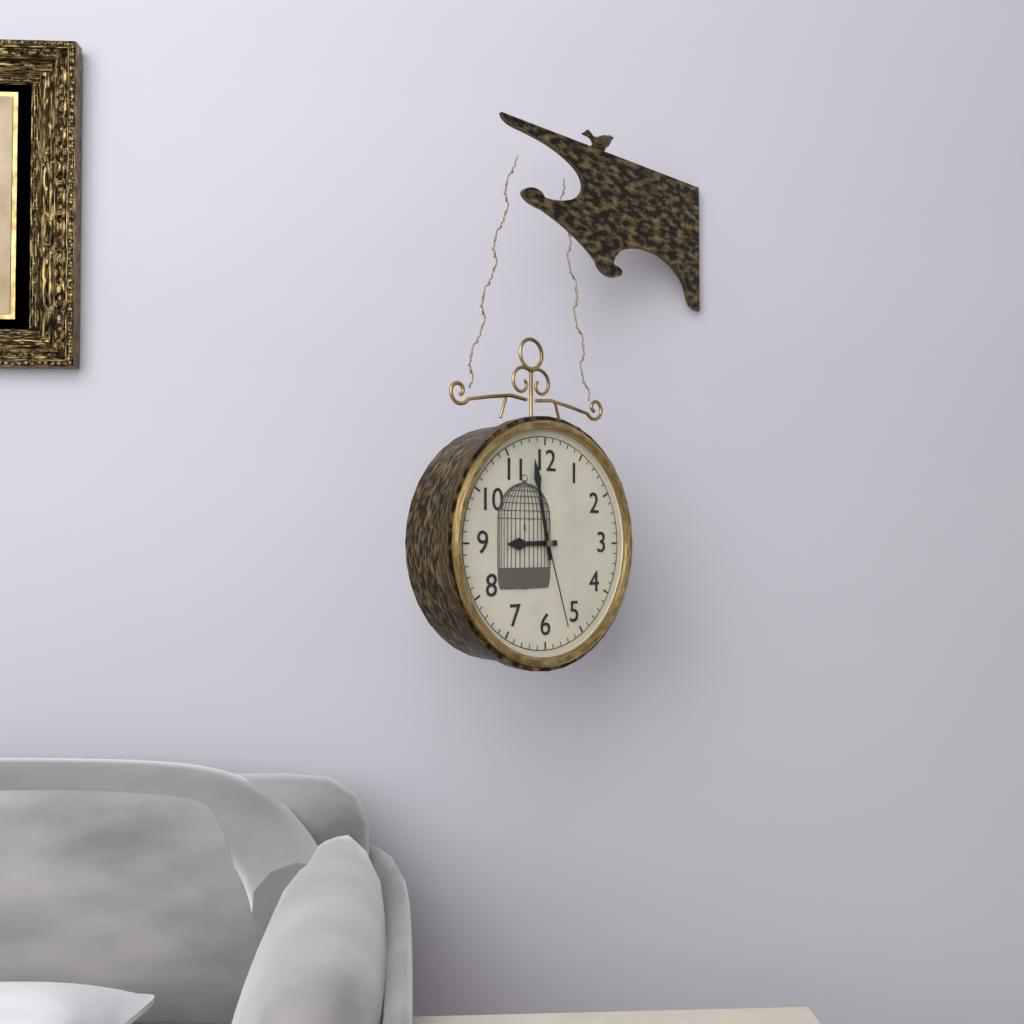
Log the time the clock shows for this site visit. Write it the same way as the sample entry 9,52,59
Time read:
8,58,27
